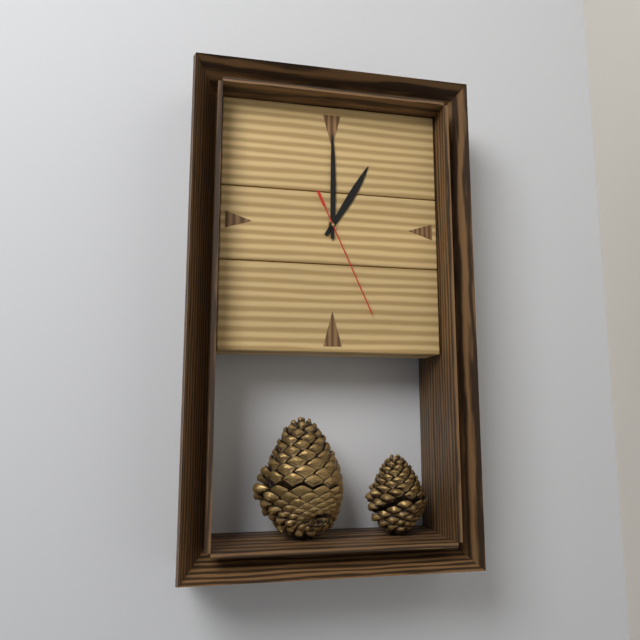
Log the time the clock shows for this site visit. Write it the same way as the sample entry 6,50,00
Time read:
1,00,26
